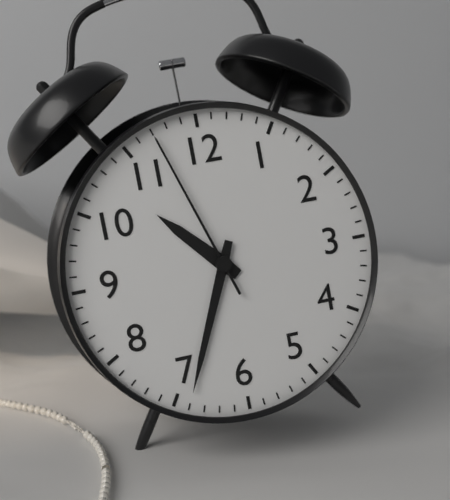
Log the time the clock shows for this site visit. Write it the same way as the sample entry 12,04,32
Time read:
10,34,57
